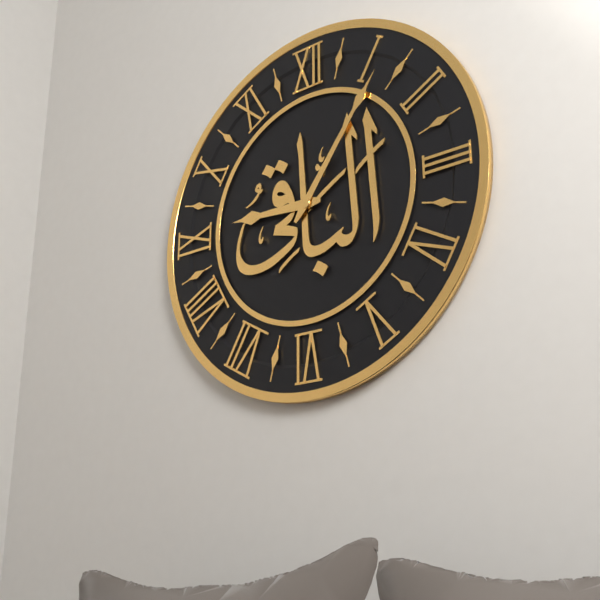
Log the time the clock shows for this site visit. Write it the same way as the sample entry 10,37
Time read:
9,06
